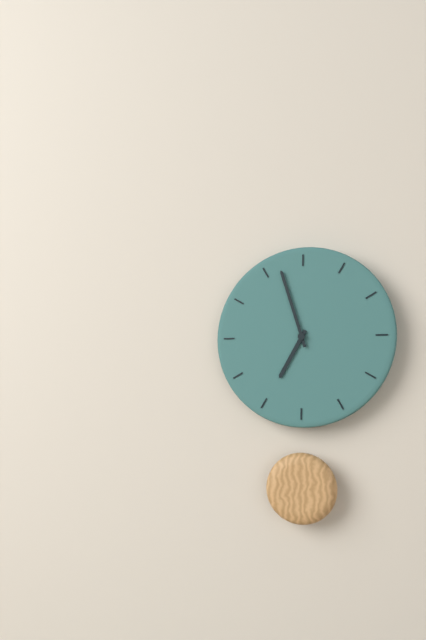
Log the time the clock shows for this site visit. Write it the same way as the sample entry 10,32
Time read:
6,57
